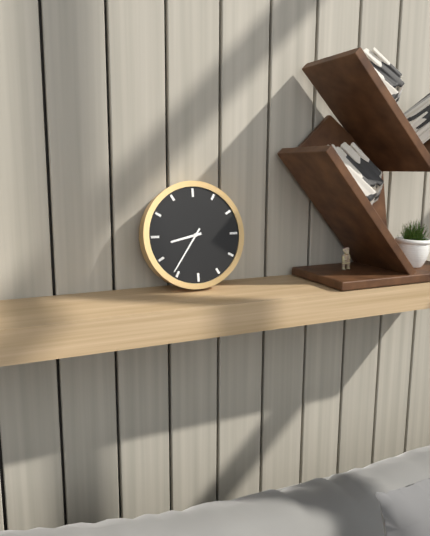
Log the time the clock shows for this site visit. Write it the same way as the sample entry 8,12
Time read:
8,36
